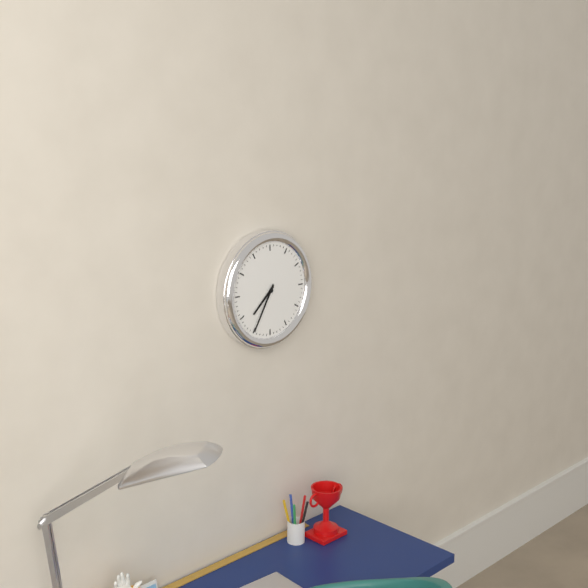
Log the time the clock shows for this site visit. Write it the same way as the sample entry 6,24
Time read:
7,35
